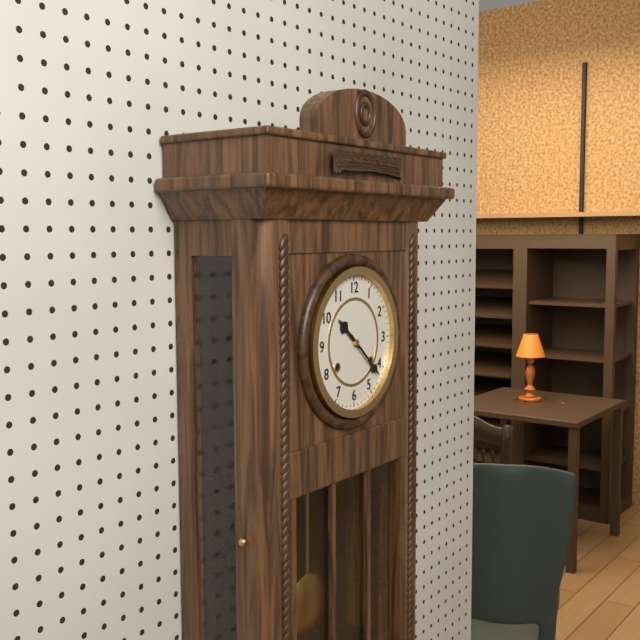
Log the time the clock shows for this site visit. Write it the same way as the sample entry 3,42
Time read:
10,22
